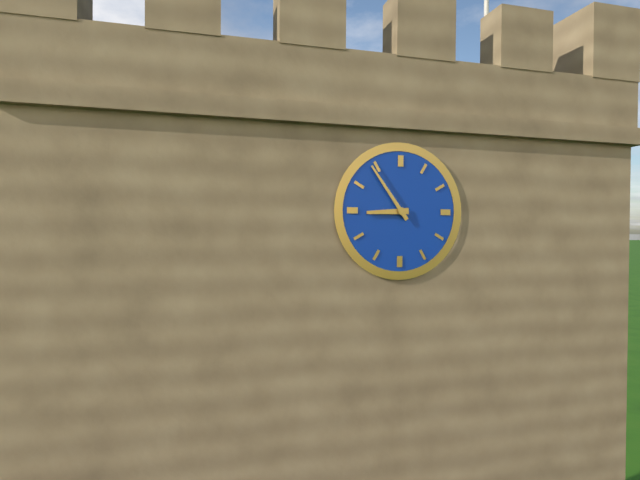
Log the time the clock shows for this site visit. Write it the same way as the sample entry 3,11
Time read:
8,54
